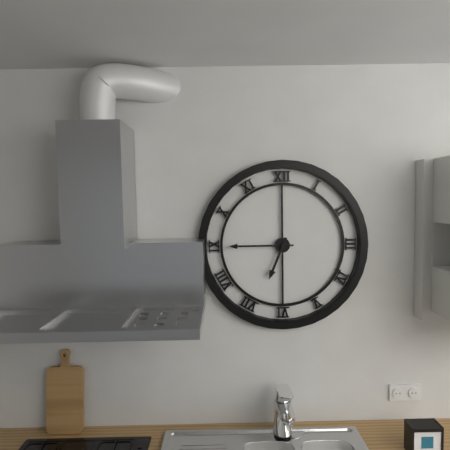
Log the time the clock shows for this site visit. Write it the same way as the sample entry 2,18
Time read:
6,45
